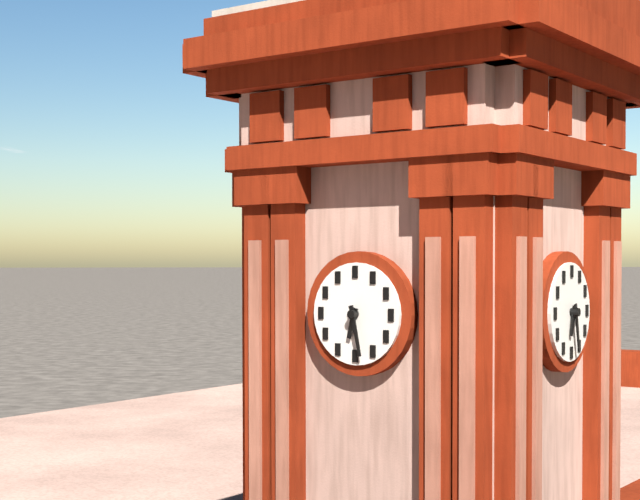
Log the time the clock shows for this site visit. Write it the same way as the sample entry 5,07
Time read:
6,28
